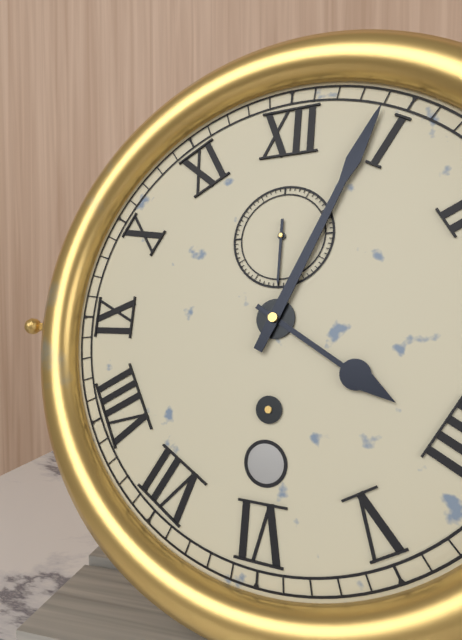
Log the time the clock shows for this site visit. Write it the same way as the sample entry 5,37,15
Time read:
4,04,30
